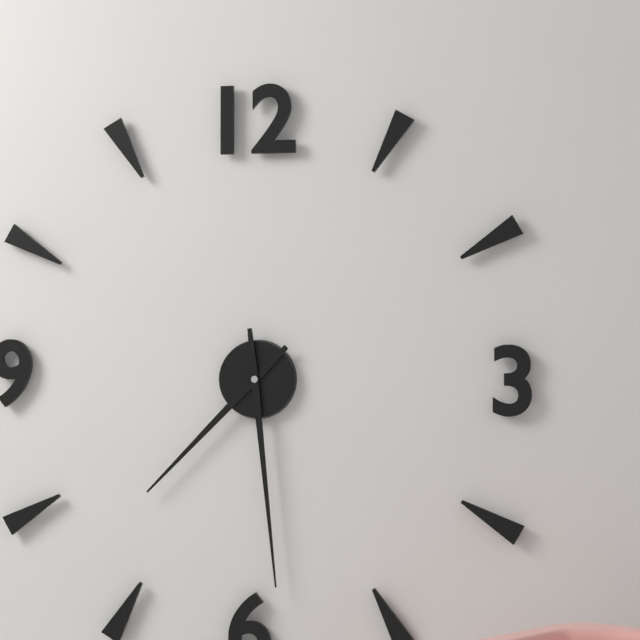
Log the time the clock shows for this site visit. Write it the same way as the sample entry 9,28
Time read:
7,29
